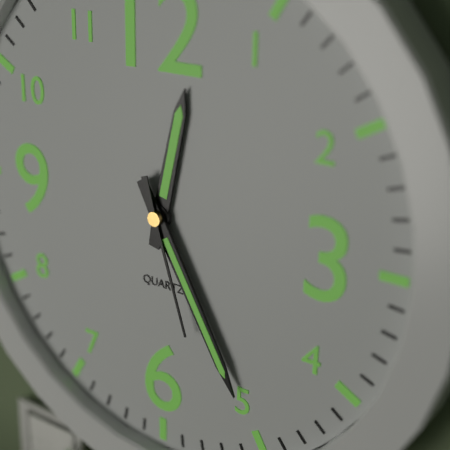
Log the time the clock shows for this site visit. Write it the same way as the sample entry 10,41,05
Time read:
12,25,27
